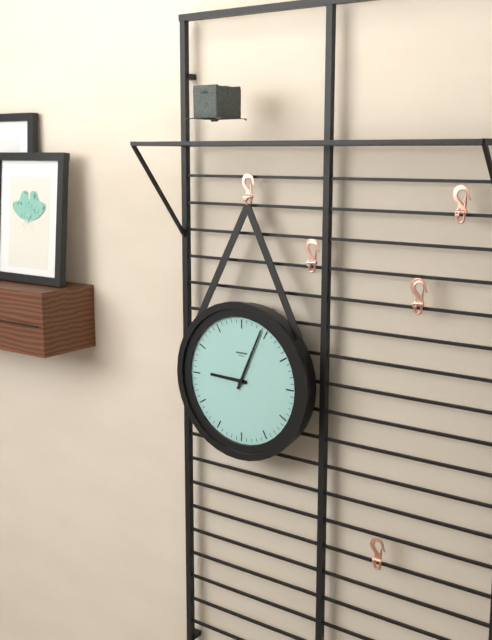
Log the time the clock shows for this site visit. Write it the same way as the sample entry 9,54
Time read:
9,04
